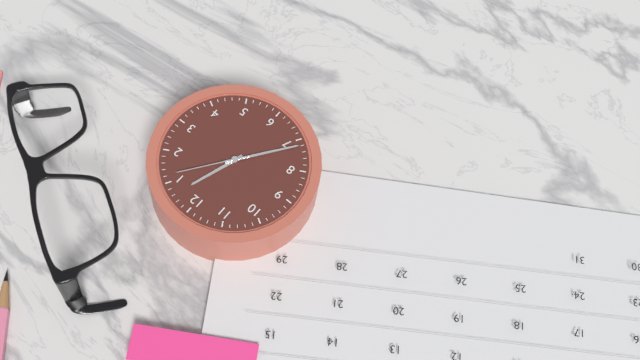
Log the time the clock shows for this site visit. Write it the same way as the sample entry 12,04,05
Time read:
12,36,06
